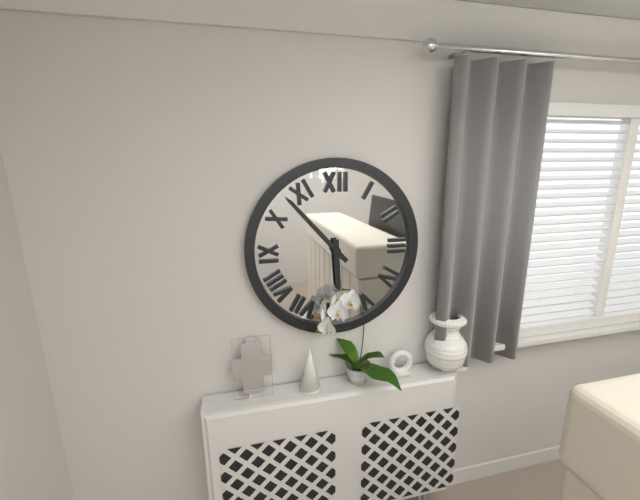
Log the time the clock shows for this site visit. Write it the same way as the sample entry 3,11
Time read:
5,53
